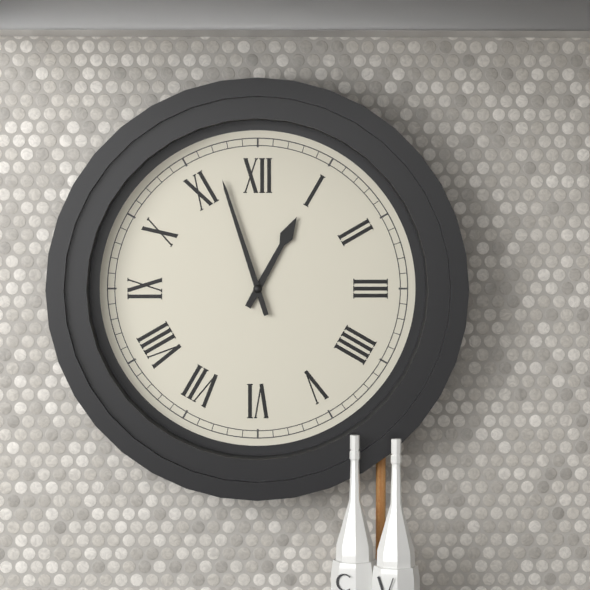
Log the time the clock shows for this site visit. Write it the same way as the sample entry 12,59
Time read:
12,57
